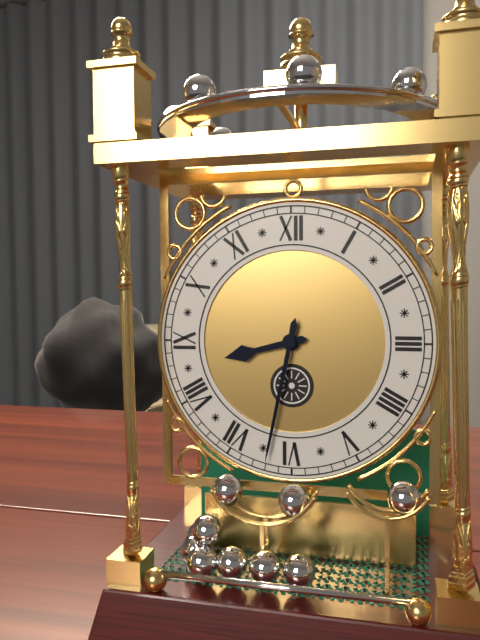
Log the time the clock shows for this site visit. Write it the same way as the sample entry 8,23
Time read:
8,32
